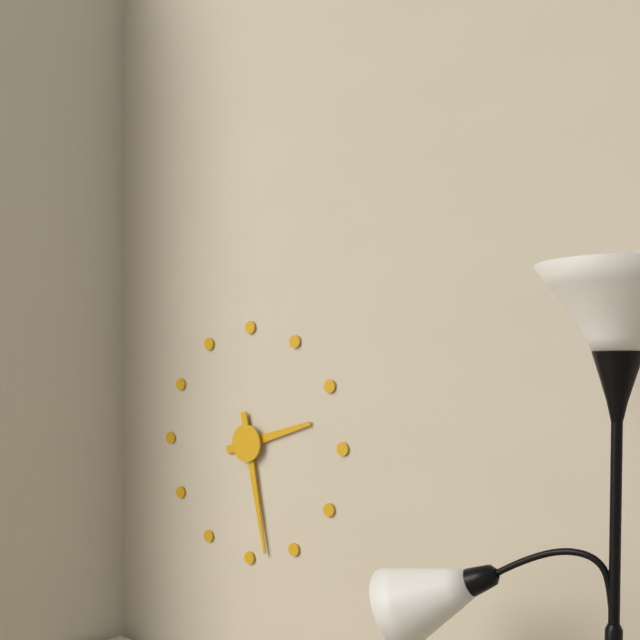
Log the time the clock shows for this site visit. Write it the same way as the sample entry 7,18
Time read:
2,28
